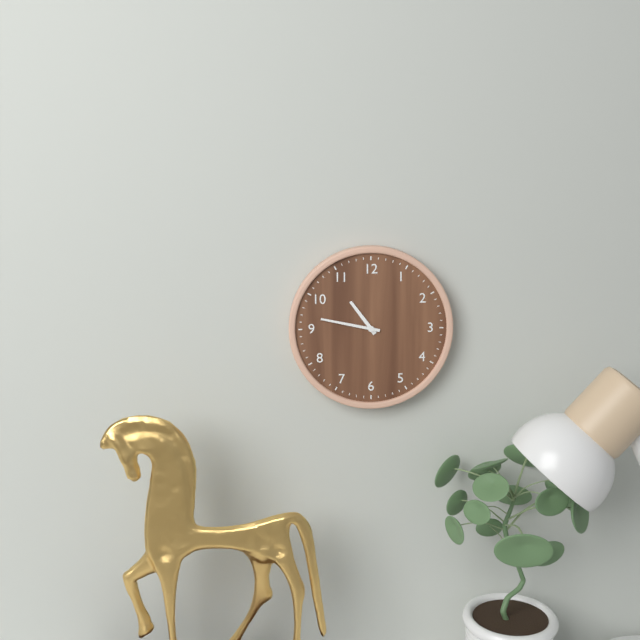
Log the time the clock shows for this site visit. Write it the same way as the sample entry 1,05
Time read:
10,47
